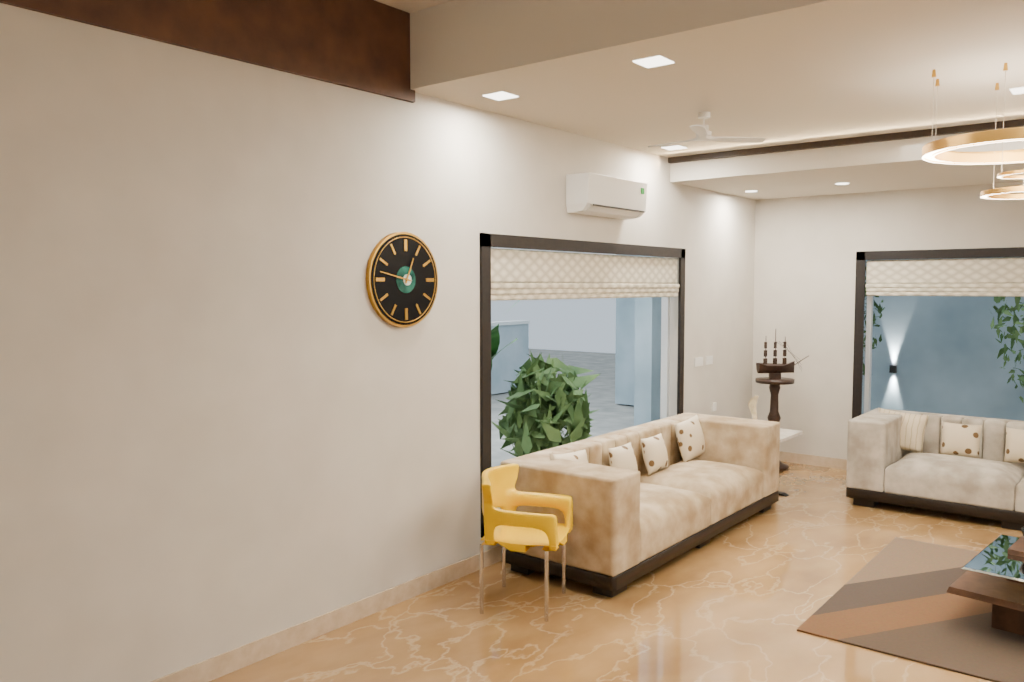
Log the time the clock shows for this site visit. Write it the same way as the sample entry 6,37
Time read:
12,47
